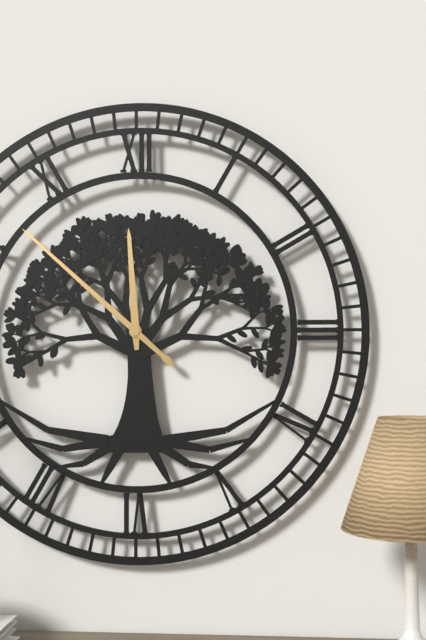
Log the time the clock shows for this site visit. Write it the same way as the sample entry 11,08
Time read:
11,52
